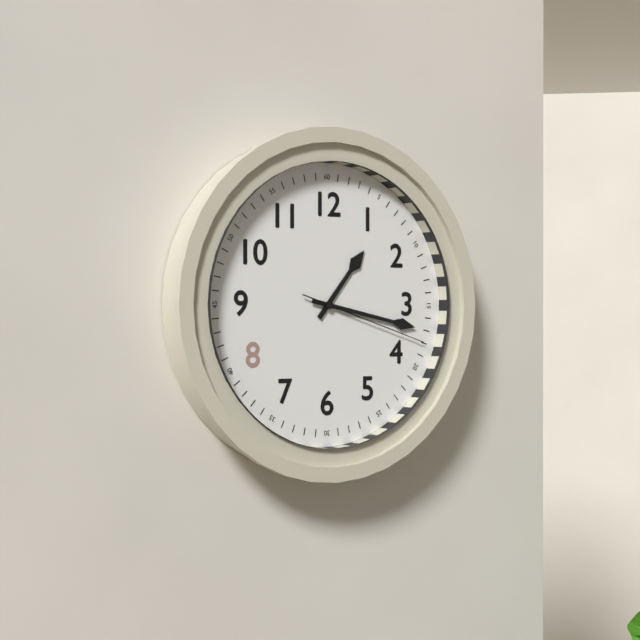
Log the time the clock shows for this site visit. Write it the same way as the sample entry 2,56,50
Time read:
1,17,18
